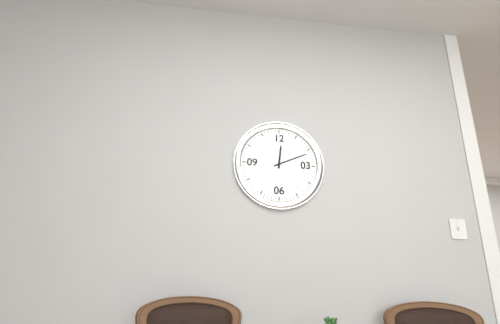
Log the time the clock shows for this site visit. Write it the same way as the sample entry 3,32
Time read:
12,11
